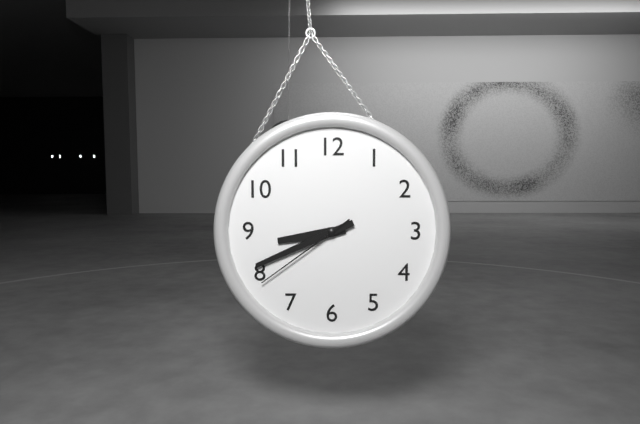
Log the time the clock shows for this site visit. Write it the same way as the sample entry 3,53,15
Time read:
8,41,39
